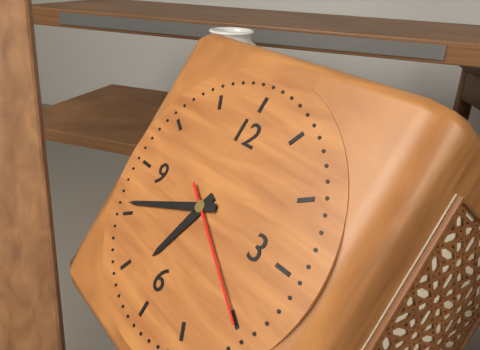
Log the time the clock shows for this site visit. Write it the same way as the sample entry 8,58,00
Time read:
6,41,20
